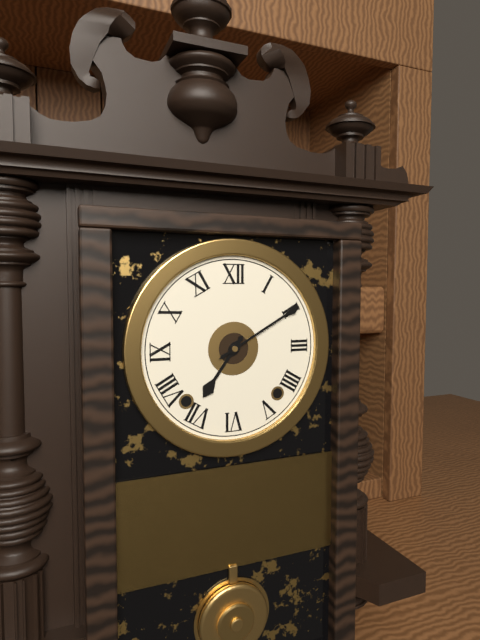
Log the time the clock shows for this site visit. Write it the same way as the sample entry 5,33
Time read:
7,10
